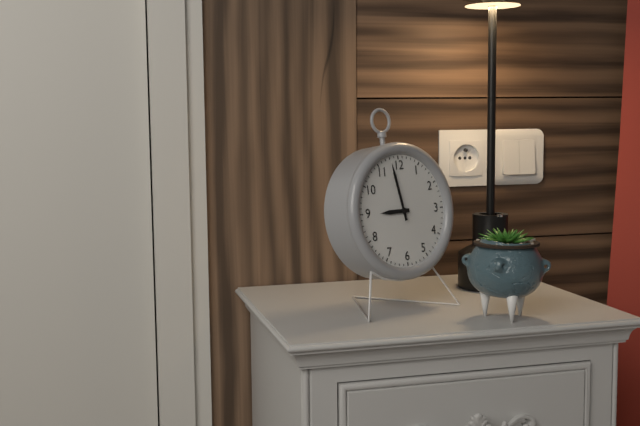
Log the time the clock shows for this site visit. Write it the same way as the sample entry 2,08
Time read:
8,58
